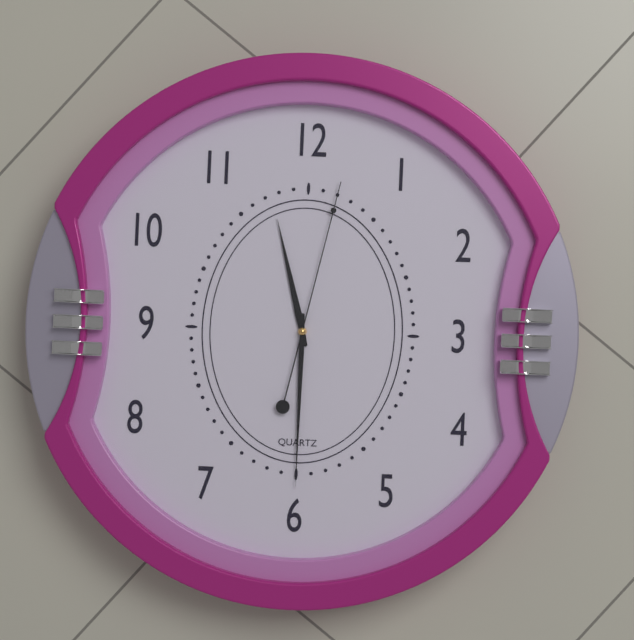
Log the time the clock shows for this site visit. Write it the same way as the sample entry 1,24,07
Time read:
11,30,02
